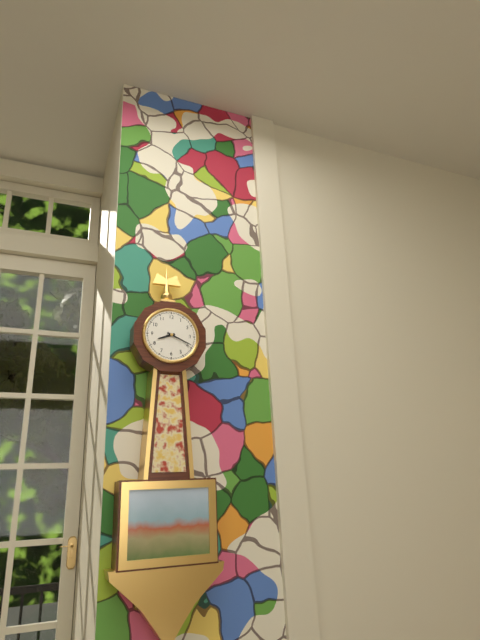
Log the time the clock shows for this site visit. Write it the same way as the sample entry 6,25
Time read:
8,19
